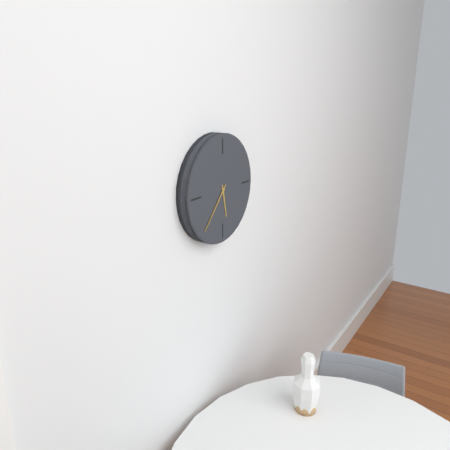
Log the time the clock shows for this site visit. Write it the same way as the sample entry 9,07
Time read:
5,37
